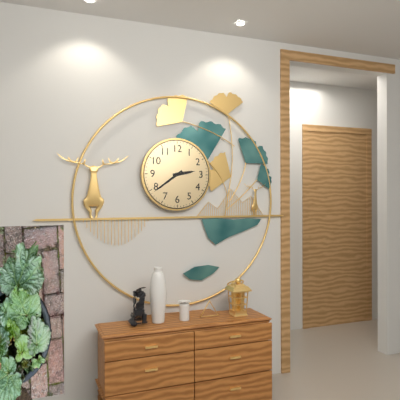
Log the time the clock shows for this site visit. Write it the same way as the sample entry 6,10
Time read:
2,39
